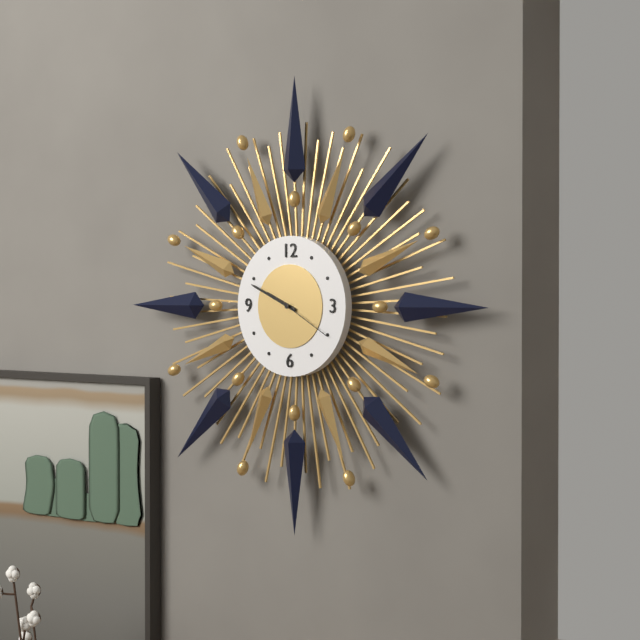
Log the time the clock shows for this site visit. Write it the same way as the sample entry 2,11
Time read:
9,49
